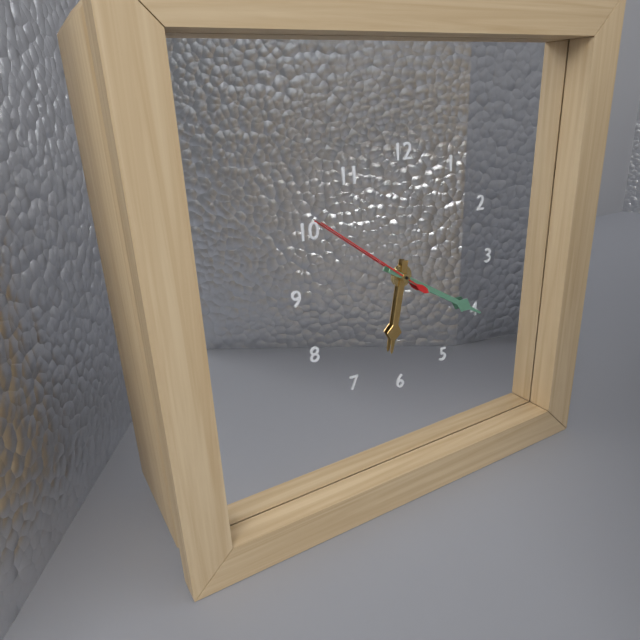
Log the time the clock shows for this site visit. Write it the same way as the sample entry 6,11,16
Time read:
6,20,51
